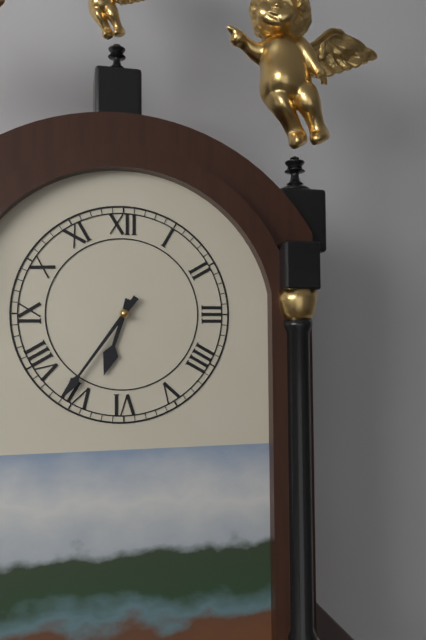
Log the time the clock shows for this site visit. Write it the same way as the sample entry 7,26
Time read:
6,36
